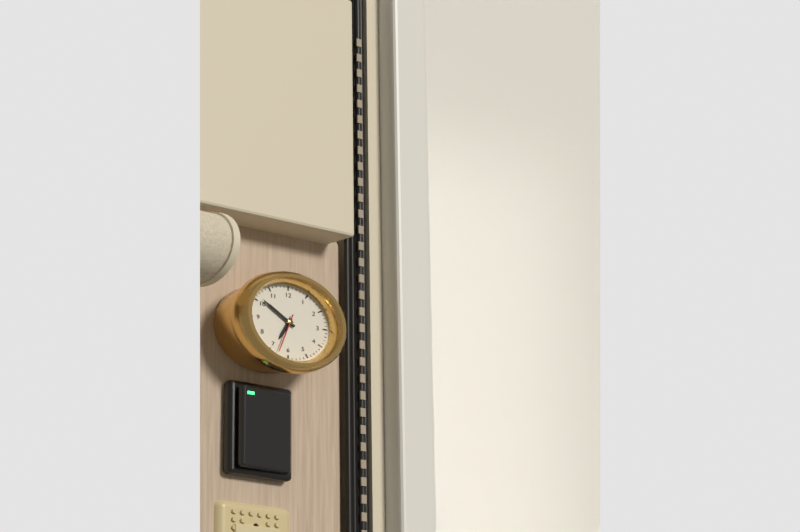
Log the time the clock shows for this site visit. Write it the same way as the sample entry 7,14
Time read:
6,51
